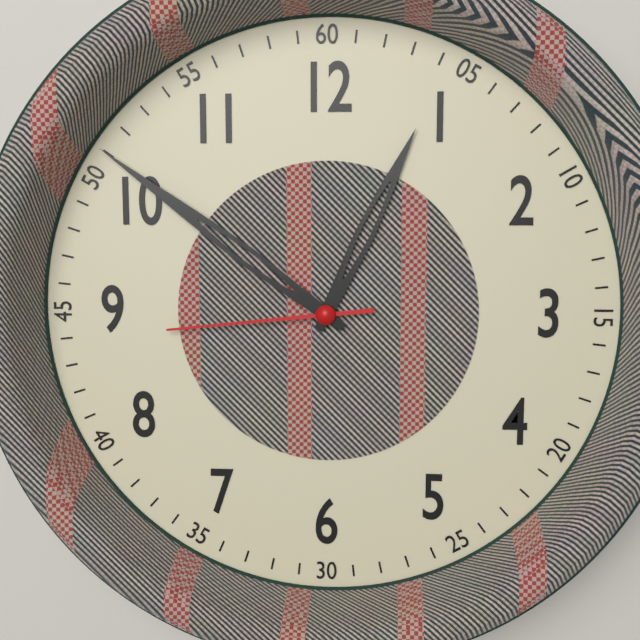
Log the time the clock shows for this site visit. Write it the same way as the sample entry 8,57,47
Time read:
12,51,44
